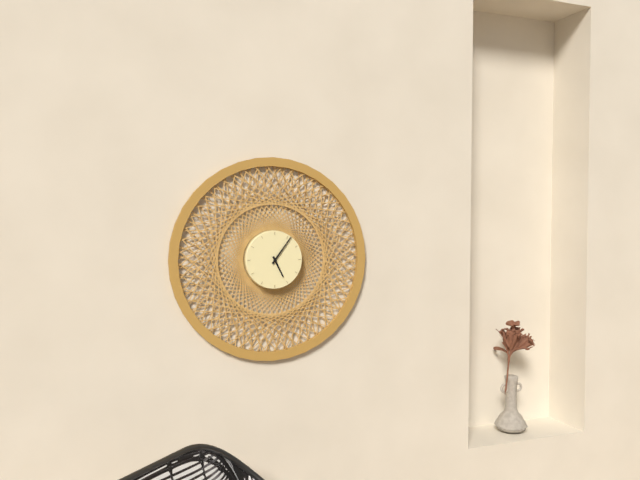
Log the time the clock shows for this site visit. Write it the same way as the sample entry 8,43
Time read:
5,06
